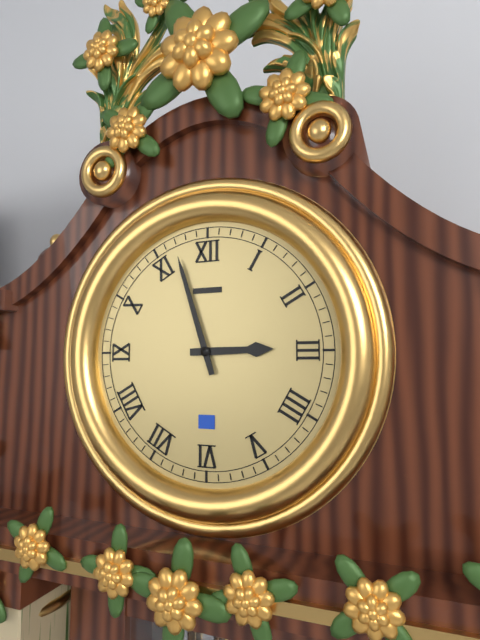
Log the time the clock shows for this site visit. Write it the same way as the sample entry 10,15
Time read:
2,57
